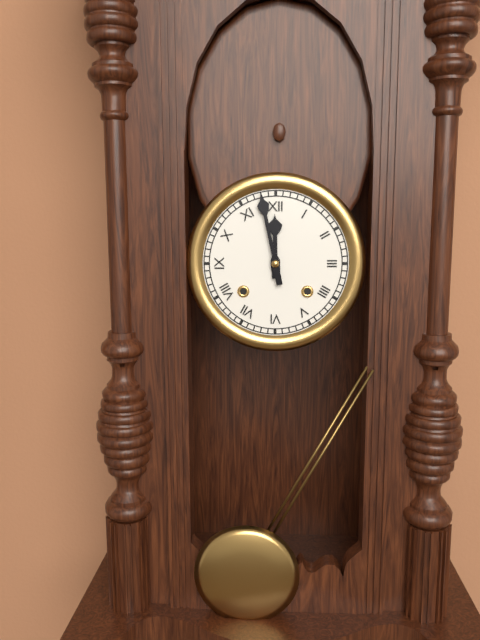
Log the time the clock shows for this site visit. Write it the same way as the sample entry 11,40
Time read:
11,58
